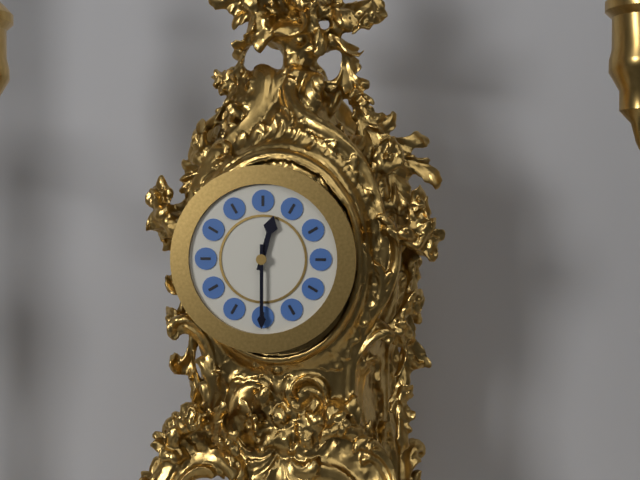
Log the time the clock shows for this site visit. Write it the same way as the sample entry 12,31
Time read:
12,30
